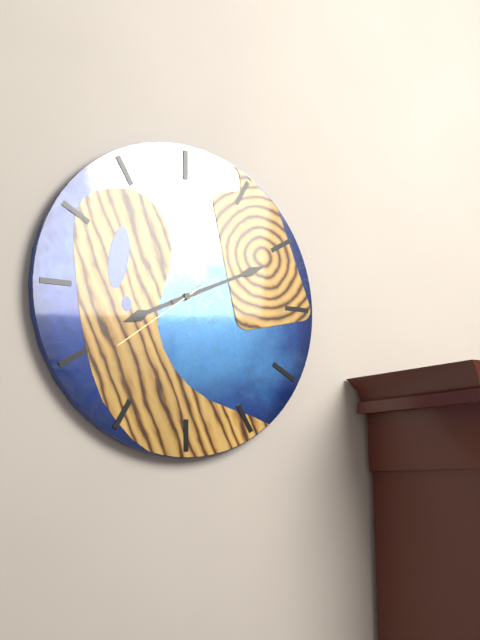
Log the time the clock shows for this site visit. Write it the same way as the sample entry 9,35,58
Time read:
8,11,39
